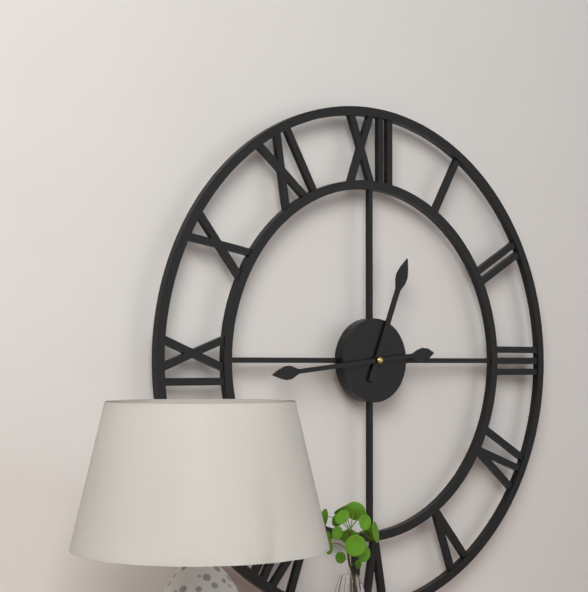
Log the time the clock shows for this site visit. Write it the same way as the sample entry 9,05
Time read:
12,44
